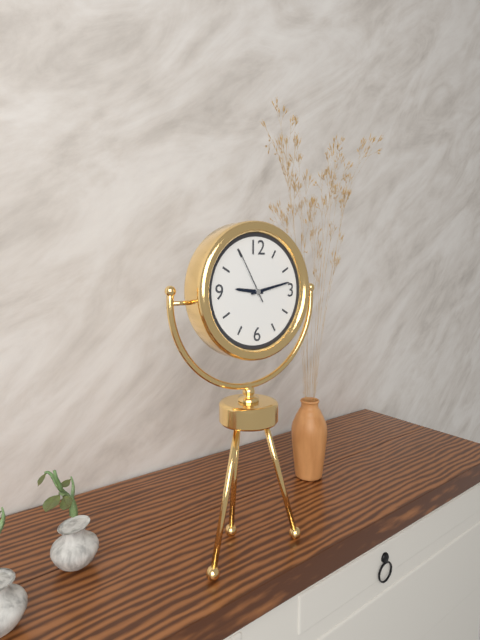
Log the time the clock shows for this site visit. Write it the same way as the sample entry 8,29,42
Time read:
9,13,55
